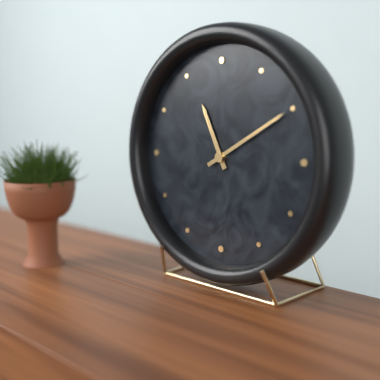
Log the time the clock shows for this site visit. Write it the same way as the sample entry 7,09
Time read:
11,10
